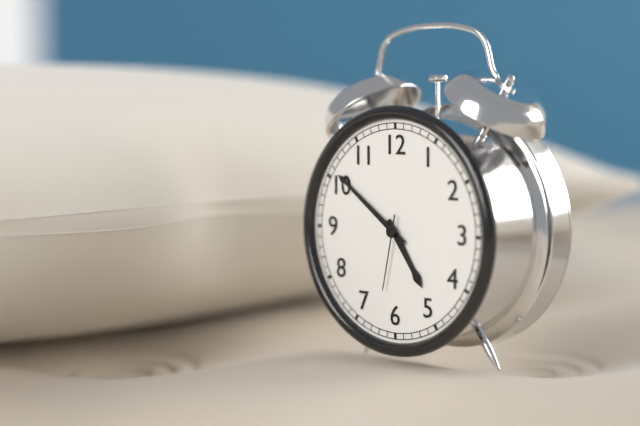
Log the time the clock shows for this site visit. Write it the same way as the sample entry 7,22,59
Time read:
4,51,32
